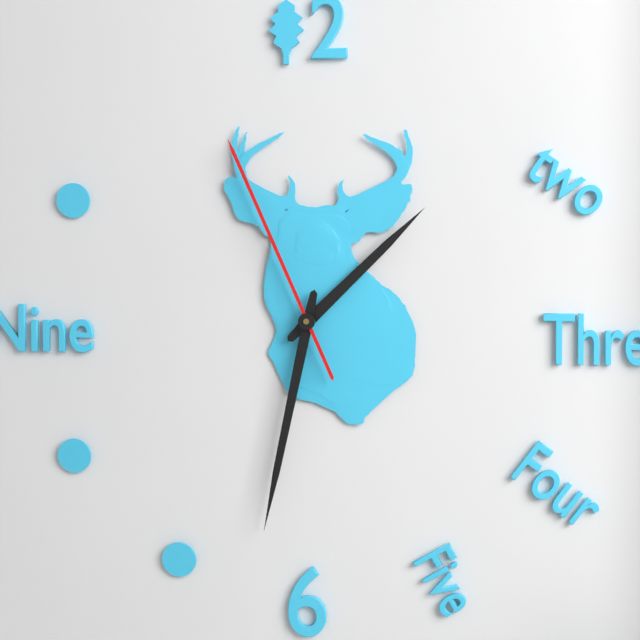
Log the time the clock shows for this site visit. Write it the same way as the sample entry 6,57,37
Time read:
1,32,56
